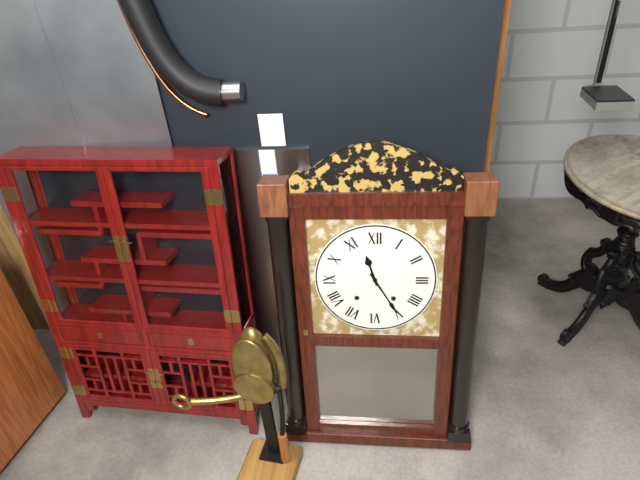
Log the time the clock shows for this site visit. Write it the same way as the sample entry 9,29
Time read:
11,25
